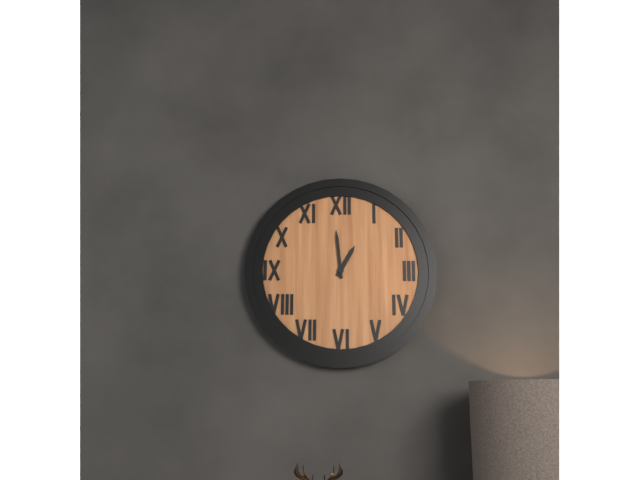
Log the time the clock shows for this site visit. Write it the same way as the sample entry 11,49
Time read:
12,59
